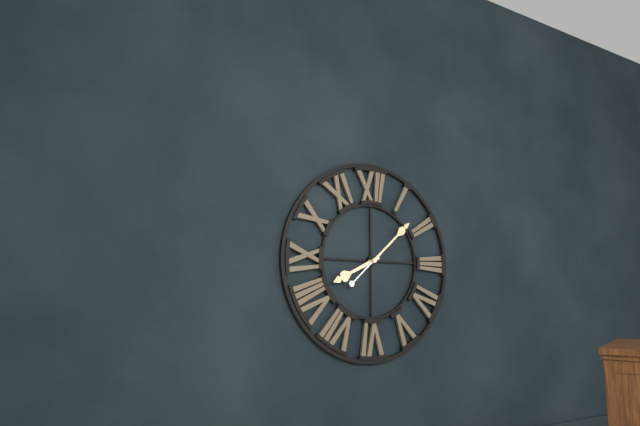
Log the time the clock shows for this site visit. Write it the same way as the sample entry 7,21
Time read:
8,08
